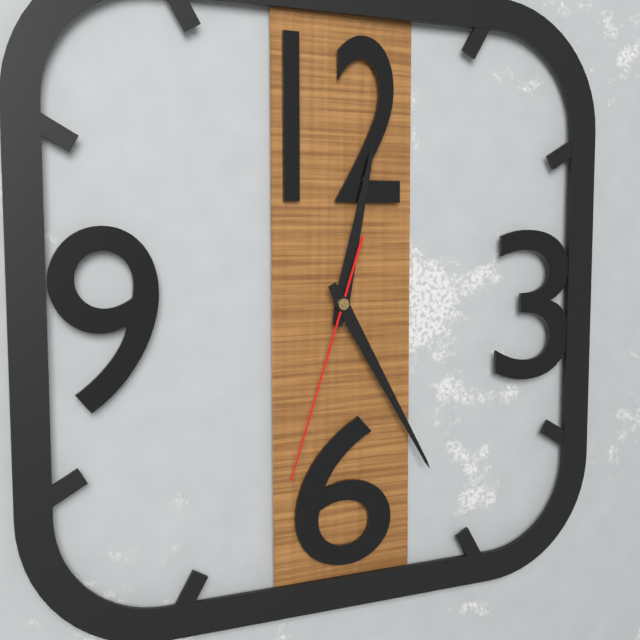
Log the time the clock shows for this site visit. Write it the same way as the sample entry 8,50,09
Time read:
12,25,33
